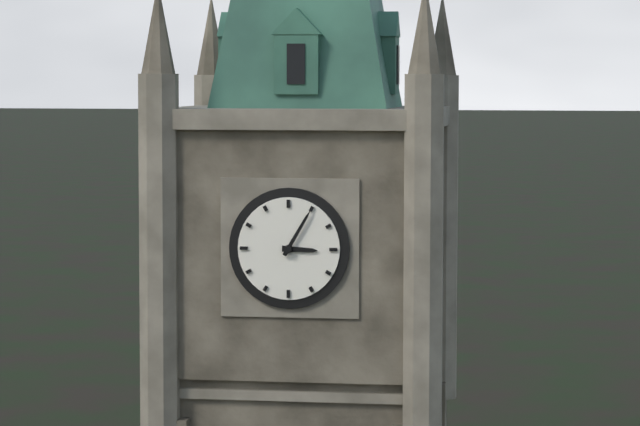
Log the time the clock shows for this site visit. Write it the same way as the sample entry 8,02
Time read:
3,05
